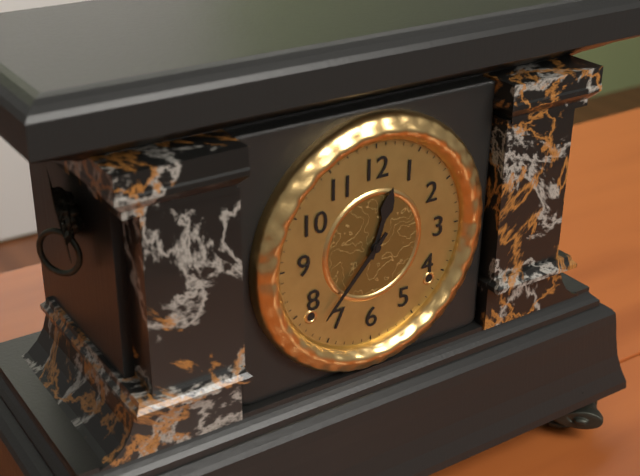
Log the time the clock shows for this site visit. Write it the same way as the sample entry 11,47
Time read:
12,37
